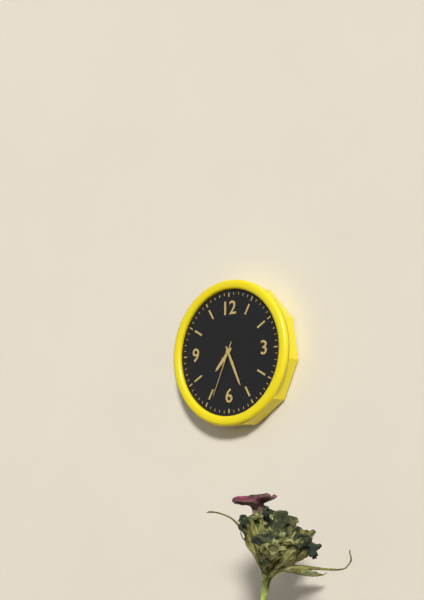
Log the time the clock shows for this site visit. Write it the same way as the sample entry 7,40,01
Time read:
7,26,34
